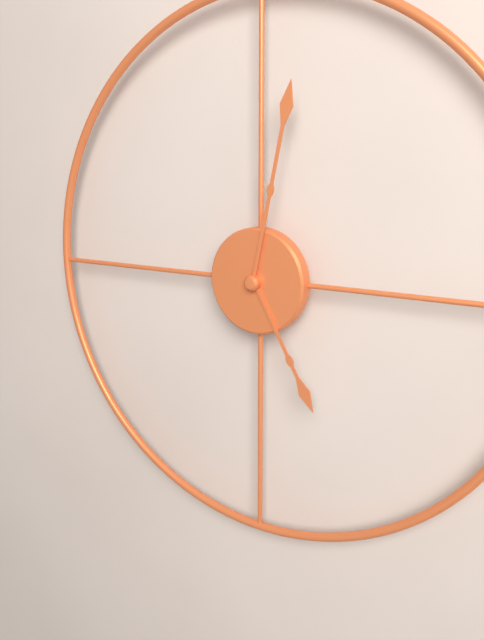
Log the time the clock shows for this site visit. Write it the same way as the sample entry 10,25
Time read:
5,02
